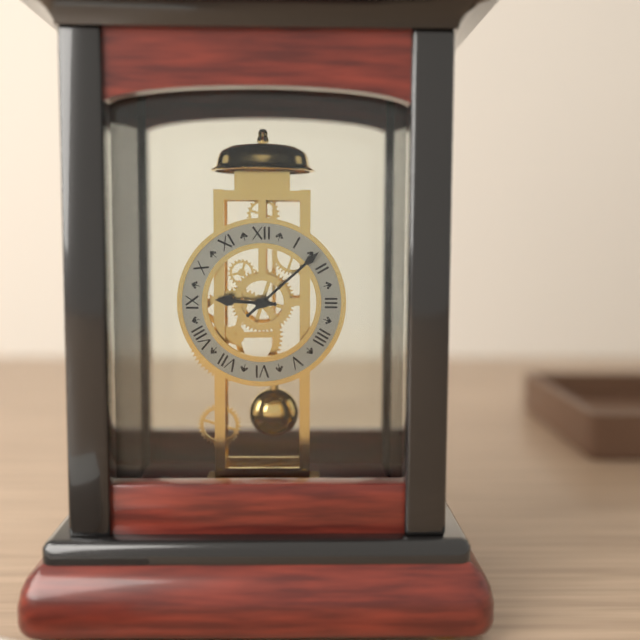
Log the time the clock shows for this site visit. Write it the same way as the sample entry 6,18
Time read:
9,08
